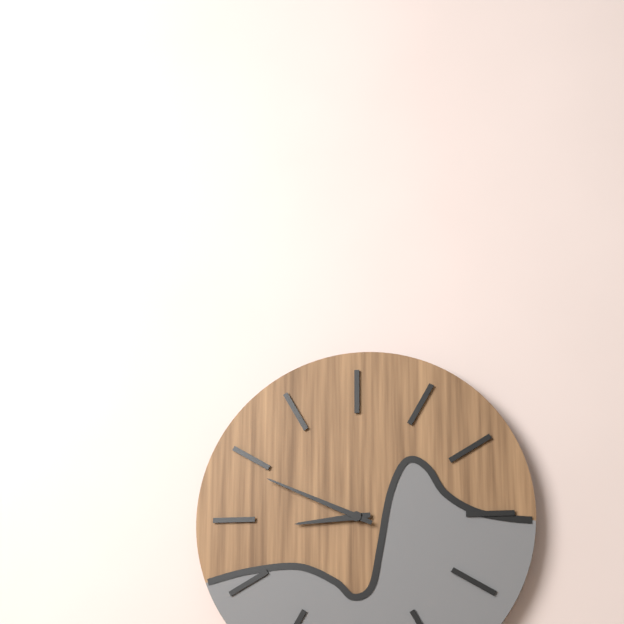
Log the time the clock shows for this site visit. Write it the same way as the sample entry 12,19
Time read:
8,49
